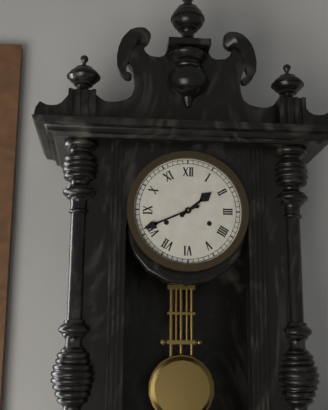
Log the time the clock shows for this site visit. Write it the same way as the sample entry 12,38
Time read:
1,41
